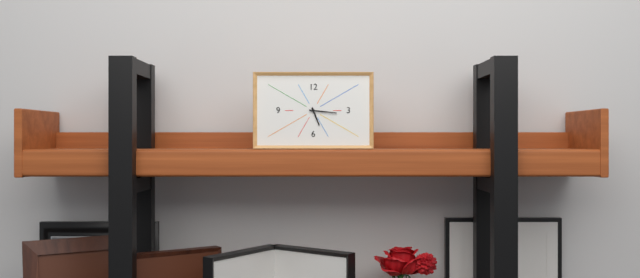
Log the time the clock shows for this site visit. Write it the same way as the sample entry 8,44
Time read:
5,16
